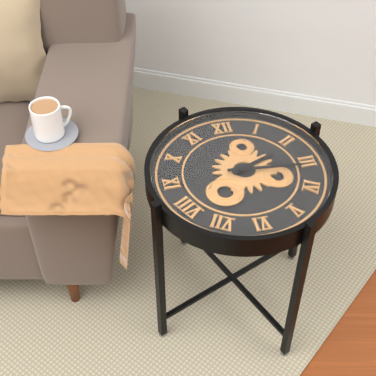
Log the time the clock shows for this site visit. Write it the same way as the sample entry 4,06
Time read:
2,16
